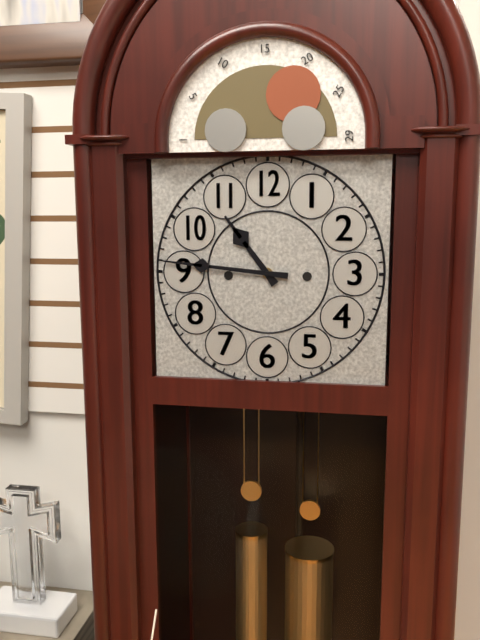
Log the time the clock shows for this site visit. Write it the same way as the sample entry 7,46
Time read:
10,46
